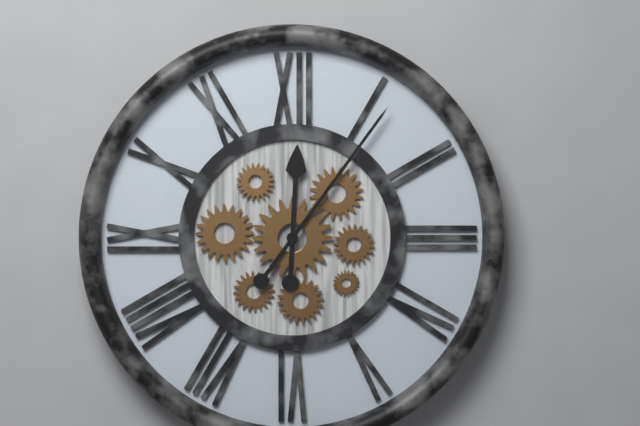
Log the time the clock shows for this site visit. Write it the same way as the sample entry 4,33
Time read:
12,06
